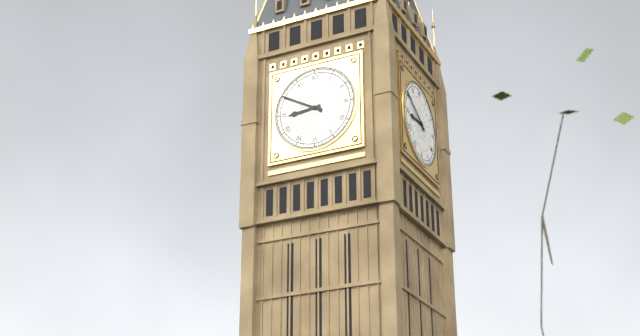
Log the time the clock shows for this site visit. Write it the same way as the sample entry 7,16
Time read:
8,50
